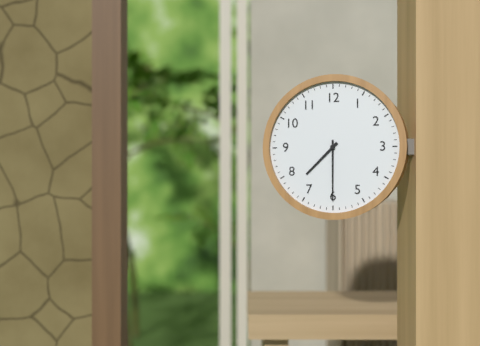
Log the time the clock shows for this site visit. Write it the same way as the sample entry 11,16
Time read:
7,30
